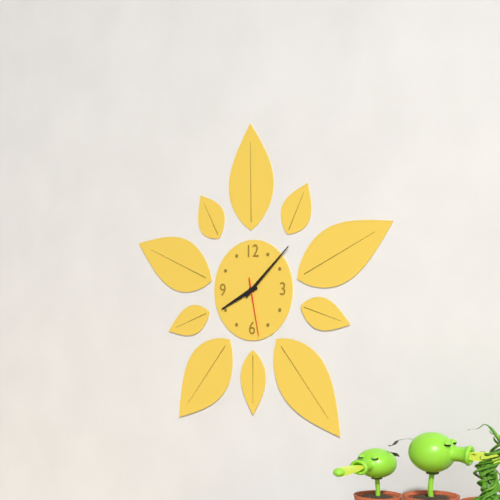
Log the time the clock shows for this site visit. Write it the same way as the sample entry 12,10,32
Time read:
8,08,28
